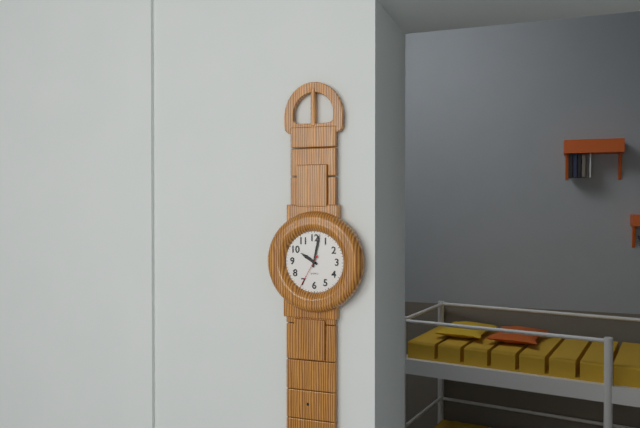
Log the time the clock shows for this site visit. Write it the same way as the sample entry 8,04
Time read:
10,02
